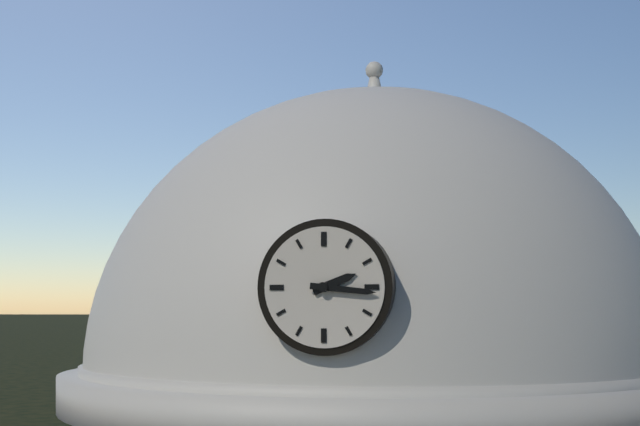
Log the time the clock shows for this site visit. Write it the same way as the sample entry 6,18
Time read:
2,16
